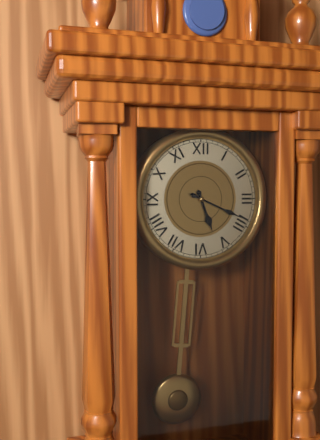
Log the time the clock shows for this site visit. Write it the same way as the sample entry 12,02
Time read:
5,19
